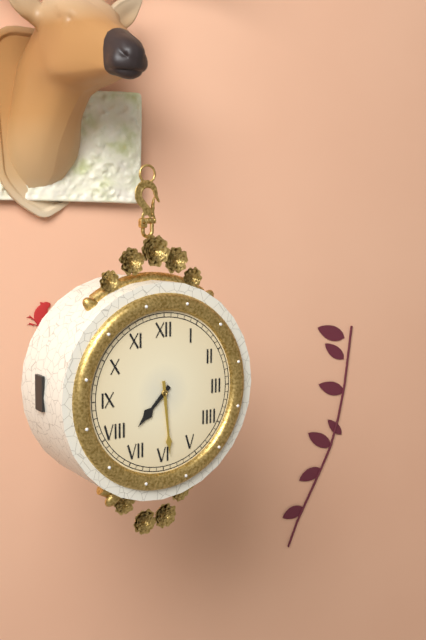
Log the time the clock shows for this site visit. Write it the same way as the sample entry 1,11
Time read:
7,29
